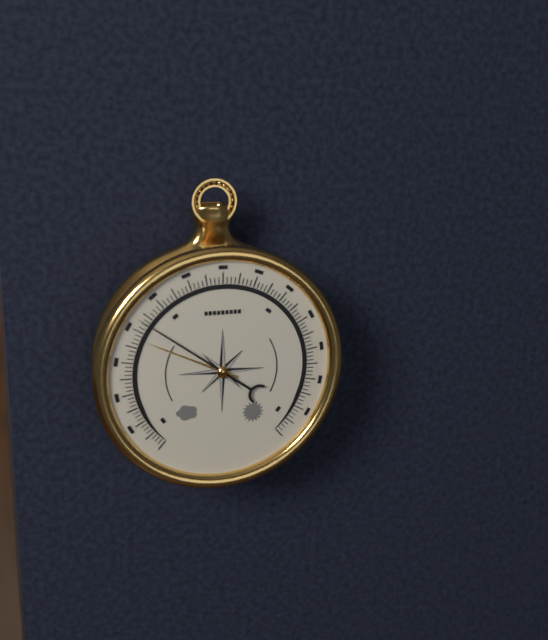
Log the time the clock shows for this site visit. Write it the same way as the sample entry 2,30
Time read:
9,51
